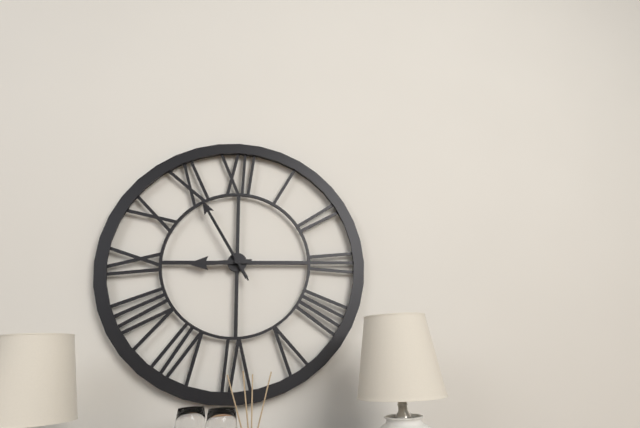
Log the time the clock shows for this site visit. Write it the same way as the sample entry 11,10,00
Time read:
8,55,55
